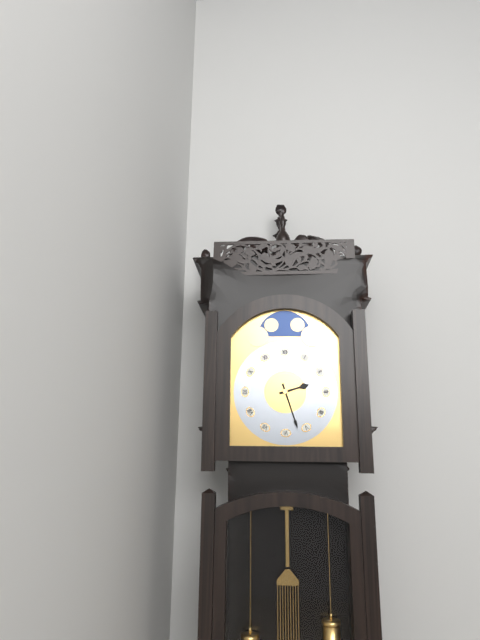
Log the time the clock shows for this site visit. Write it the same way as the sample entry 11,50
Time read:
2,27
